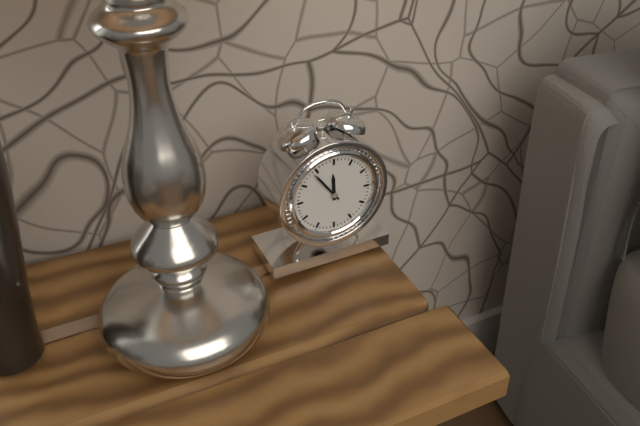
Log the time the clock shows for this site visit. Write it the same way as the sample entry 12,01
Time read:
11,54
